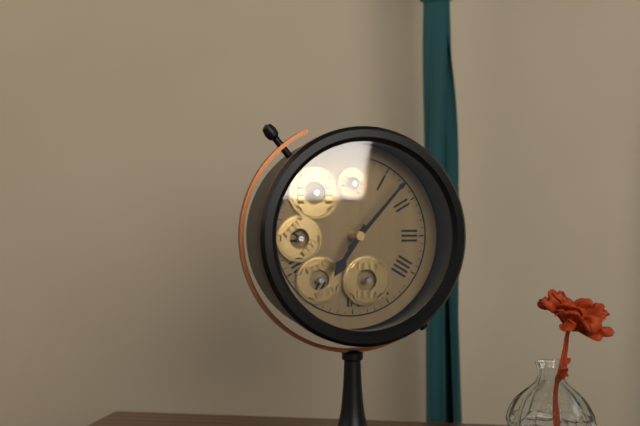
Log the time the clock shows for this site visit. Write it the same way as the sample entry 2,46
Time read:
7,07
